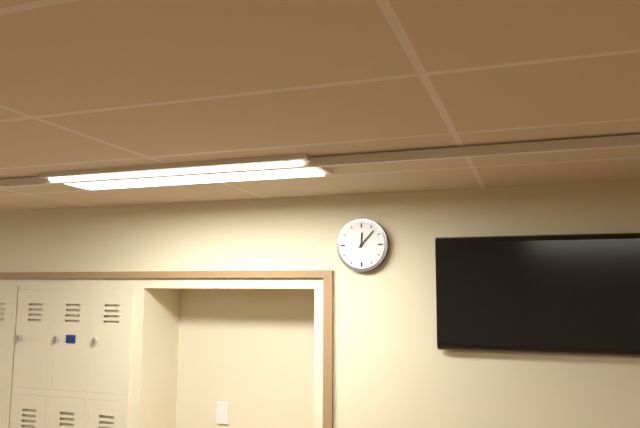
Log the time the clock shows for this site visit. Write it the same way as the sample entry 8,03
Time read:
12,07
